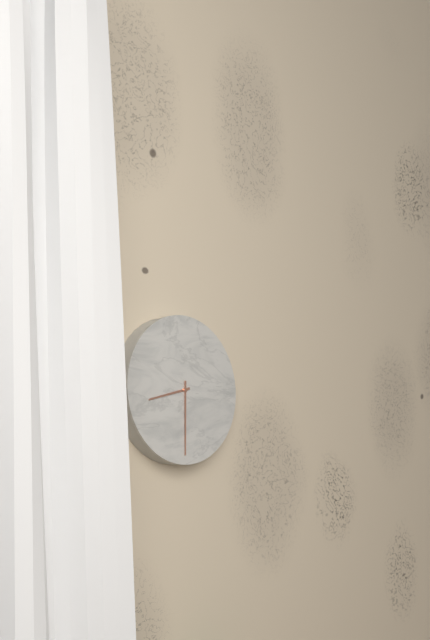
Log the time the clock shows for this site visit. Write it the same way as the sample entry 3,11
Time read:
8,30
